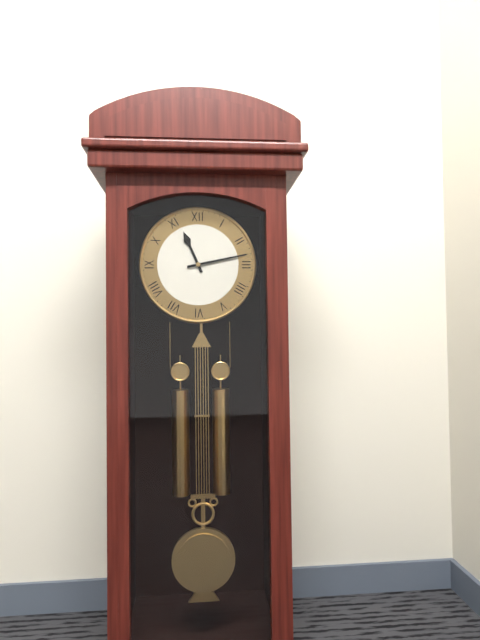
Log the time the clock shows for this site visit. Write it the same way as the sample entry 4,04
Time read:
11,13
